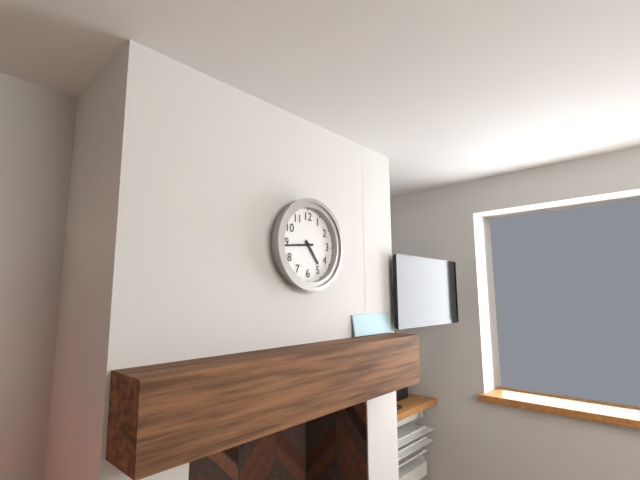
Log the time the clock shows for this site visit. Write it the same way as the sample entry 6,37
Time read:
4,44
